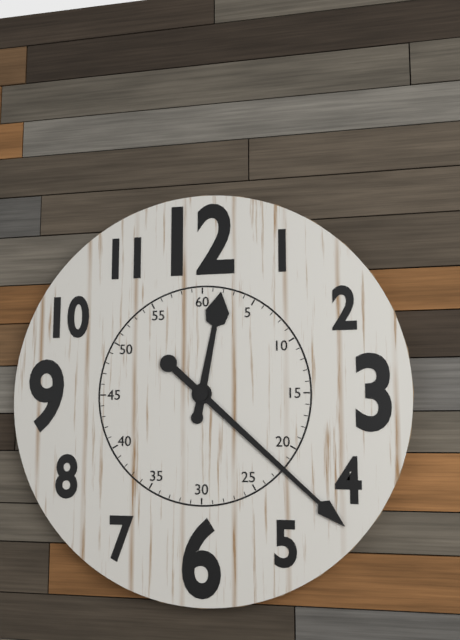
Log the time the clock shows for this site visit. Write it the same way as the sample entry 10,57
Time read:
12,22
